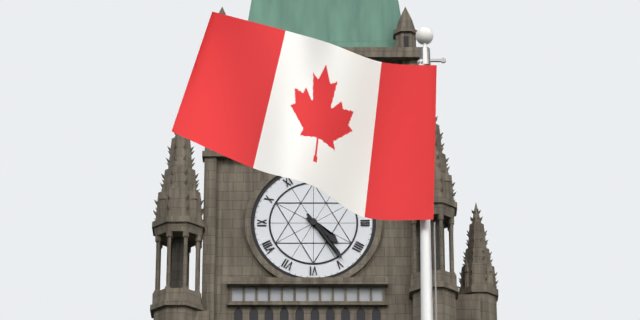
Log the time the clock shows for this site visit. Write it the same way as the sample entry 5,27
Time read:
4,24
